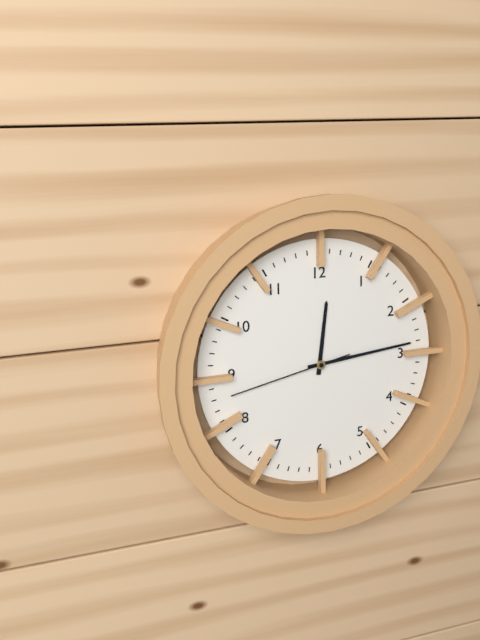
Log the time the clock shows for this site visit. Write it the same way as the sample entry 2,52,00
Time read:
12,14,43
